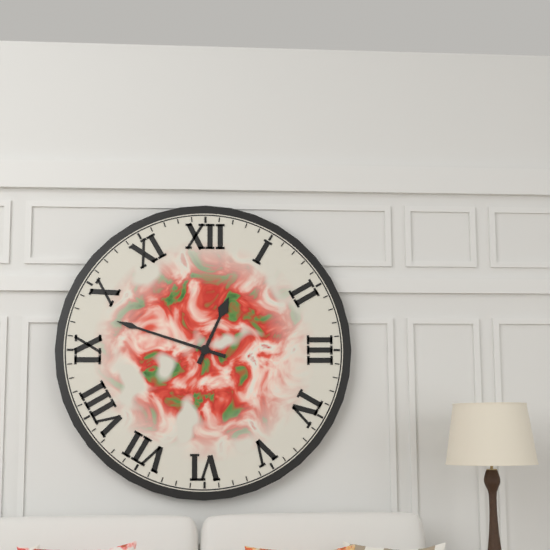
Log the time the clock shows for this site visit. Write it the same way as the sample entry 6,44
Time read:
12,48
